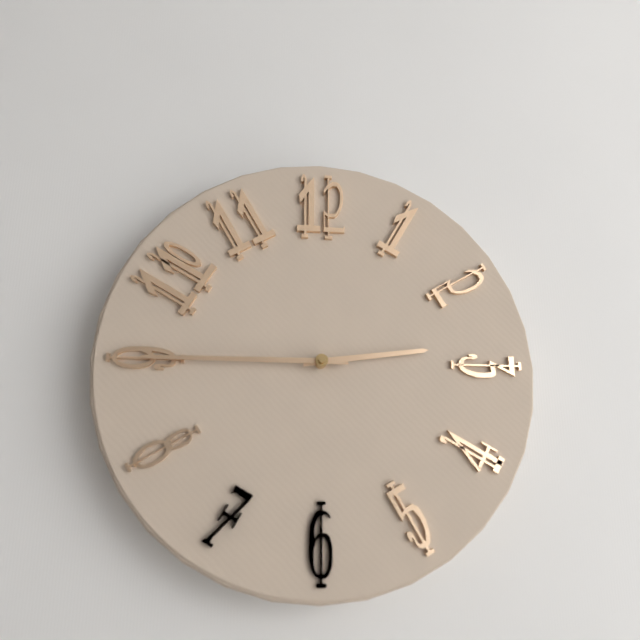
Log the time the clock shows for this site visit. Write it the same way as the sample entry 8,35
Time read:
2,45
